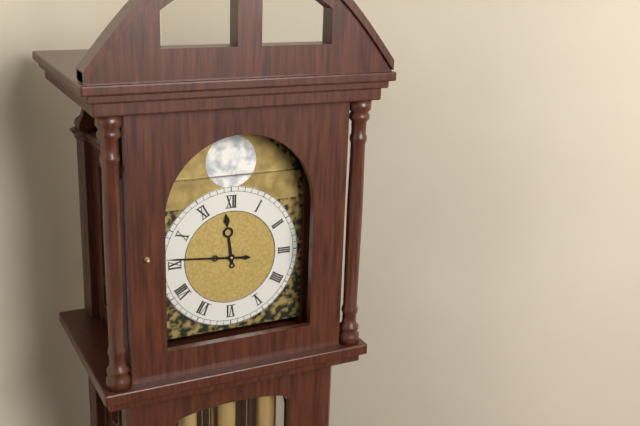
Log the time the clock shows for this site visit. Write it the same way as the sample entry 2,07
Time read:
11,46
